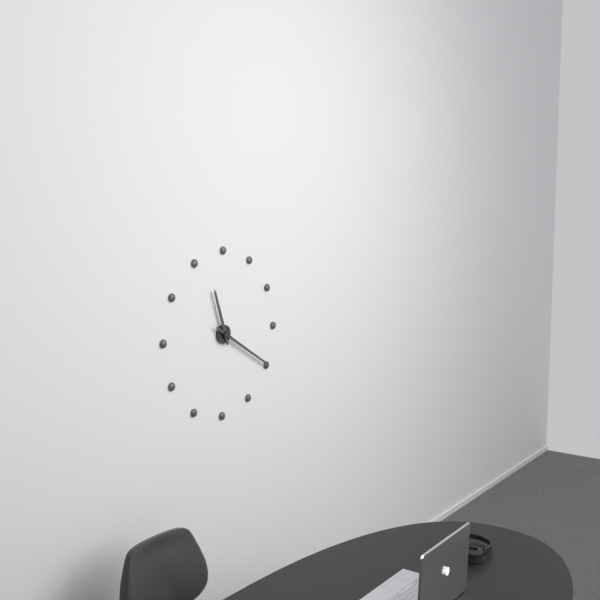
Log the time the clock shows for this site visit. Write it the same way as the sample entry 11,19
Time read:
11,20
